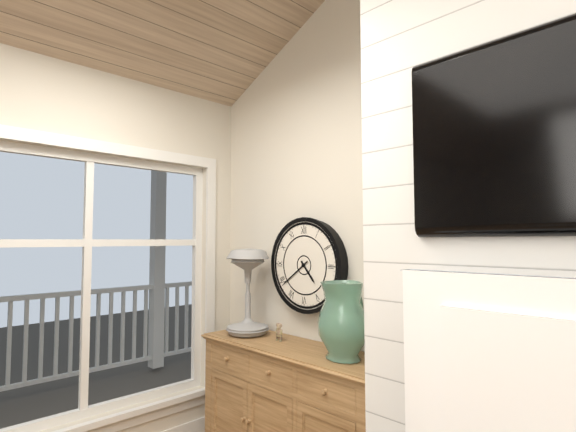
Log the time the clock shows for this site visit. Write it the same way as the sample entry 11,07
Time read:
4,39
